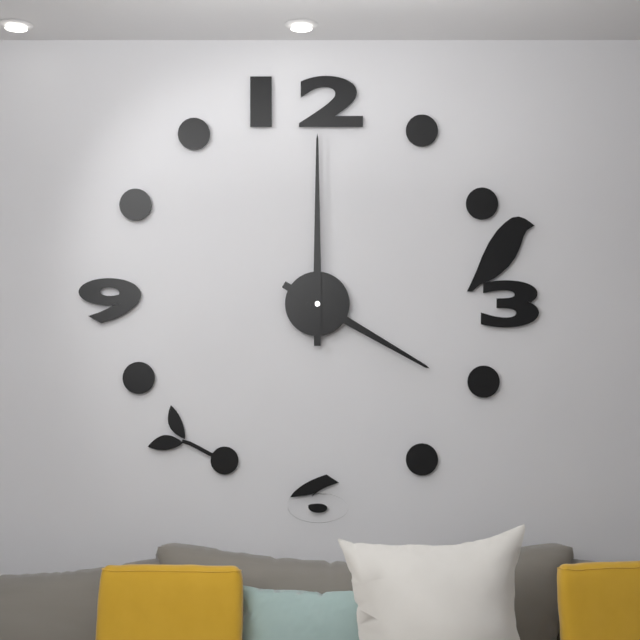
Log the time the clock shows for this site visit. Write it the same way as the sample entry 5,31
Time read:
4,00
